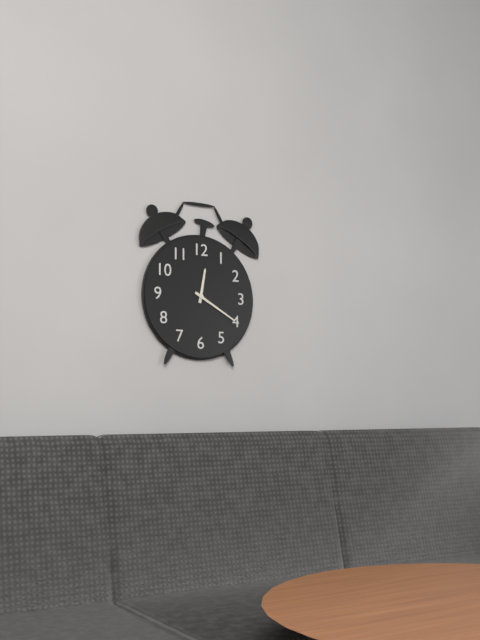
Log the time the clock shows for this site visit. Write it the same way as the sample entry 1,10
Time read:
12,20
